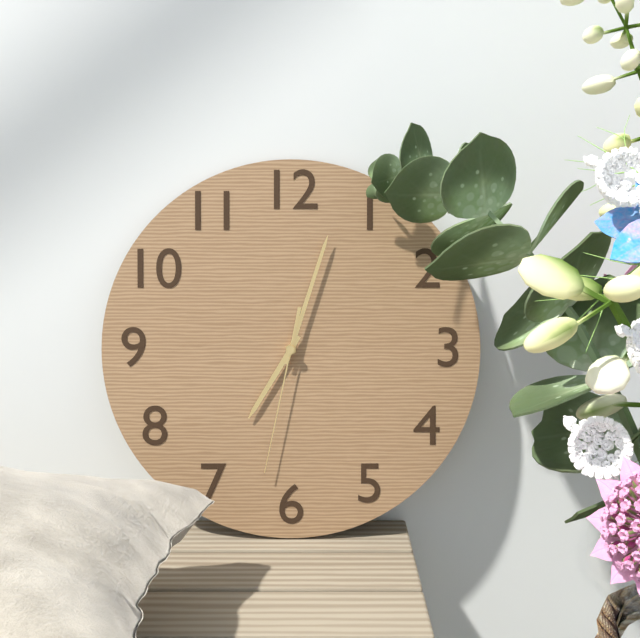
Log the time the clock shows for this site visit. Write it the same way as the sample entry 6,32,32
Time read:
7,03,32
